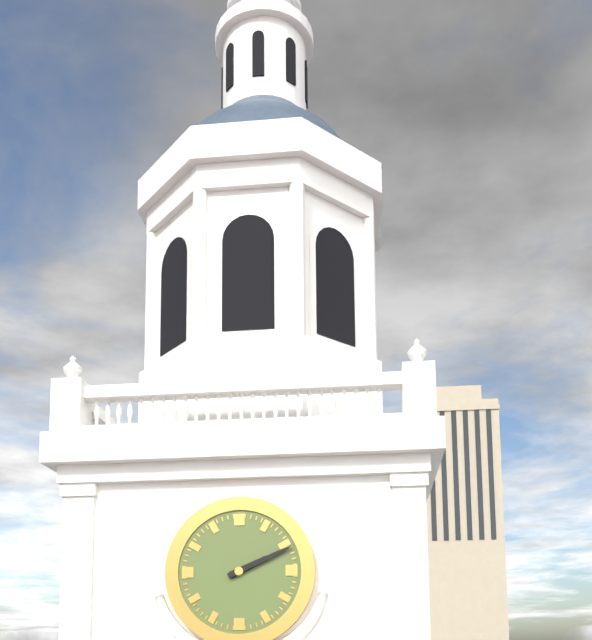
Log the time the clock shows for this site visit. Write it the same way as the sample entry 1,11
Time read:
2,11
